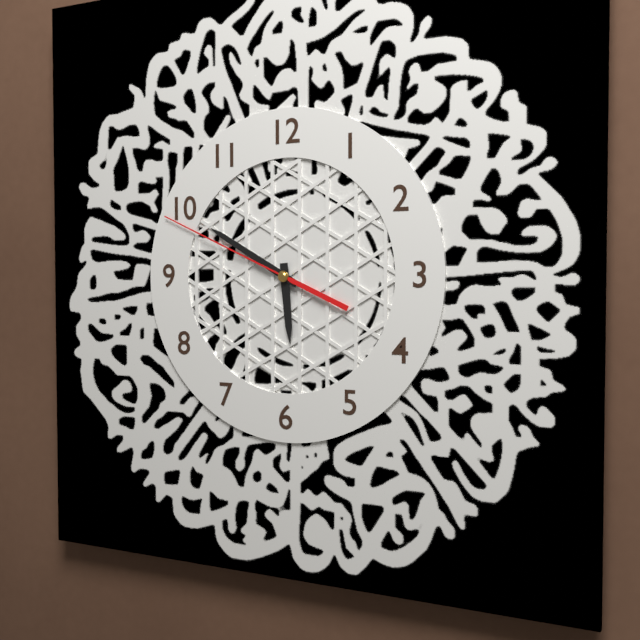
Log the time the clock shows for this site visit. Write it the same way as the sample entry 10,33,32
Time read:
5,50,49
